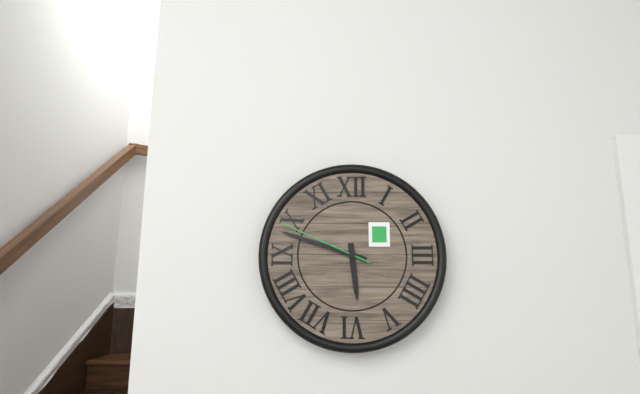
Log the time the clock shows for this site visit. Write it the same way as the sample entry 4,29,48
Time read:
5,48,49
